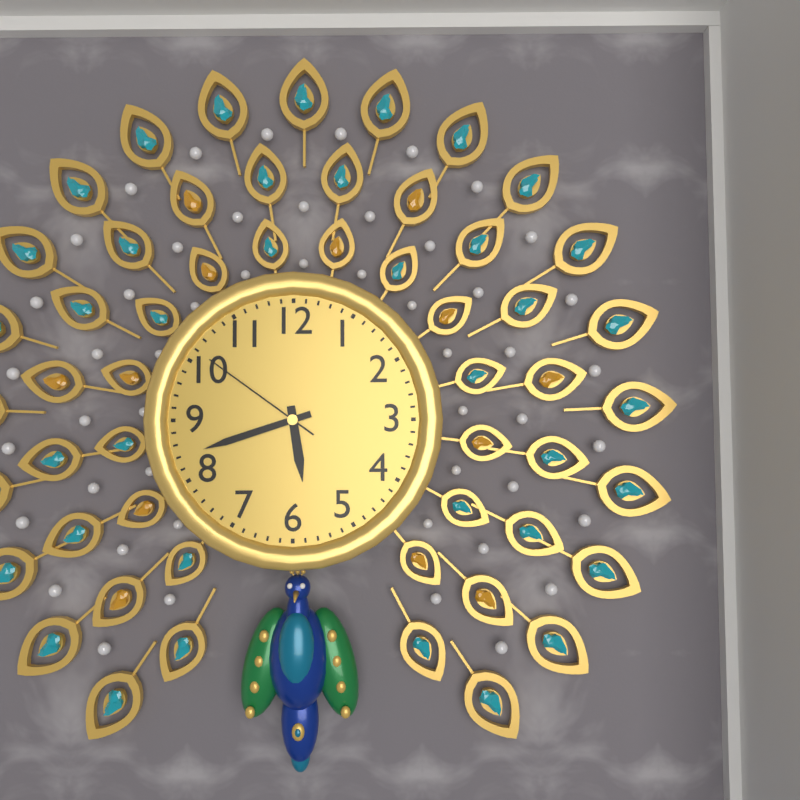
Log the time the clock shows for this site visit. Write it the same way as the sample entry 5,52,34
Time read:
5,42,51
